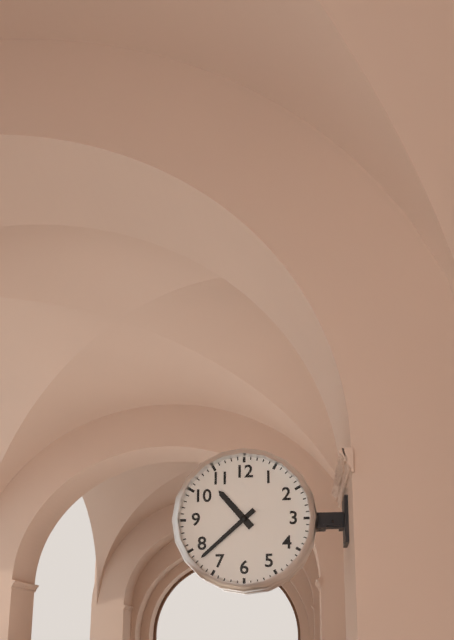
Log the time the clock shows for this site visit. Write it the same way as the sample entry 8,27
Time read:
10,38
